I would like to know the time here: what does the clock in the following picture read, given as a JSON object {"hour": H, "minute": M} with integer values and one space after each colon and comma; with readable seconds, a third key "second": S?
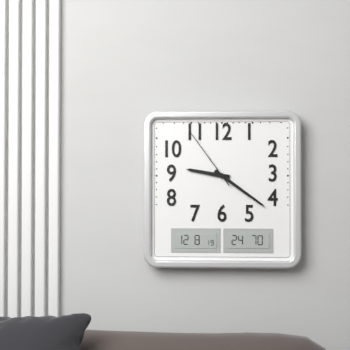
{"hour": 9, "minute": 21, "second": 54}
